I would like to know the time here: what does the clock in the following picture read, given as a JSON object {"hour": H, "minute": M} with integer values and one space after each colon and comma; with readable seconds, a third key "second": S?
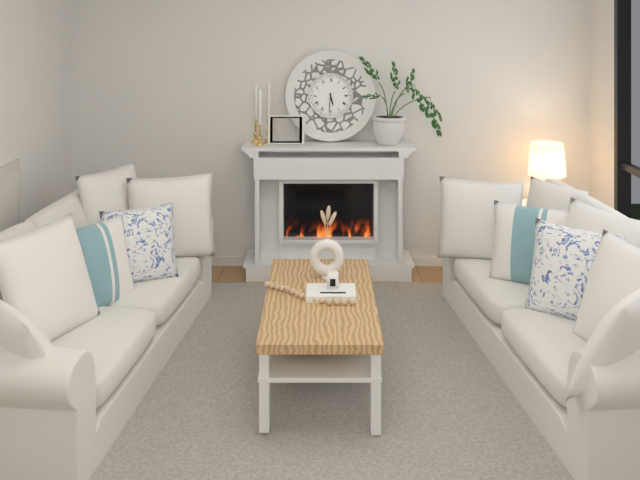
{"hour": 5, "minute": 31}
